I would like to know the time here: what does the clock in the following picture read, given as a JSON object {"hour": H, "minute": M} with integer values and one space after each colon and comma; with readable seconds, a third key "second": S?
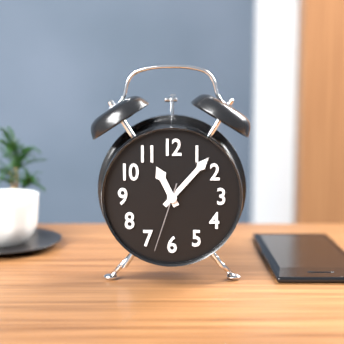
{"hour": 11, "minute": 7, "second": 33}
